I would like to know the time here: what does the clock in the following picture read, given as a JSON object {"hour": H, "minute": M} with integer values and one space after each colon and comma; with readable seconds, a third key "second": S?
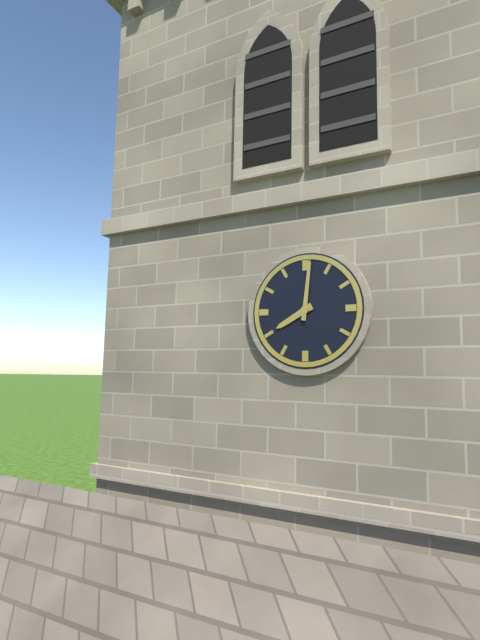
{"hour": 8, "minute": 1}
